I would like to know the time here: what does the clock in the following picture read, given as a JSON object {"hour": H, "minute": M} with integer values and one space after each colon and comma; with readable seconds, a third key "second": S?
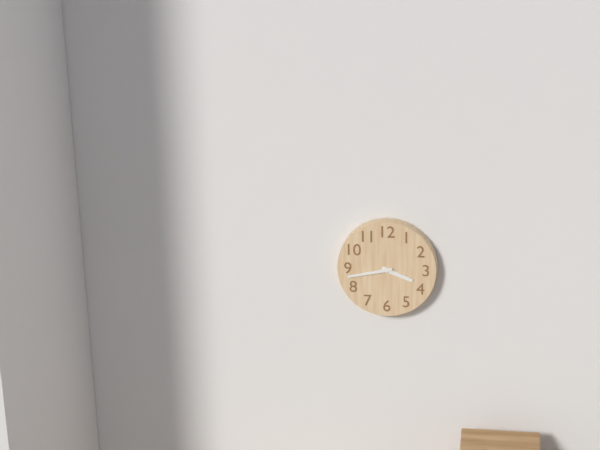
{"hour": 3, "minute": 43}
